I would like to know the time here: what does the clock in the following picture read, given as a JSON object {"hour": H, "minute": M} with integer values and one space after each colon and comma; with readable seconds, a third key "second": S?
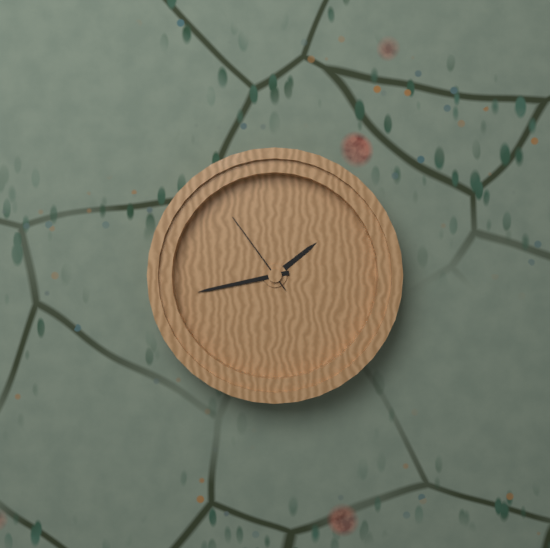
{"hour": 1, "minute": 43, "second": 54}
